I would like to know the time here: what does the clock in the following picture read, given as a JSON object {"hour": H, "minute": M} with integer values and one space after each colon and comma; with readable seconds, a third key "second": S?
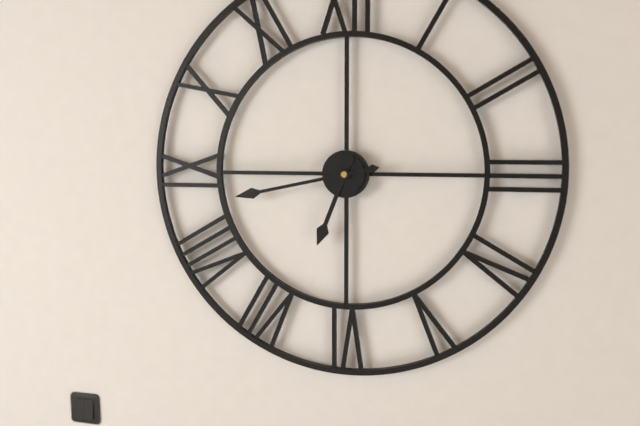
{"hour": 6, "minute": 43}
